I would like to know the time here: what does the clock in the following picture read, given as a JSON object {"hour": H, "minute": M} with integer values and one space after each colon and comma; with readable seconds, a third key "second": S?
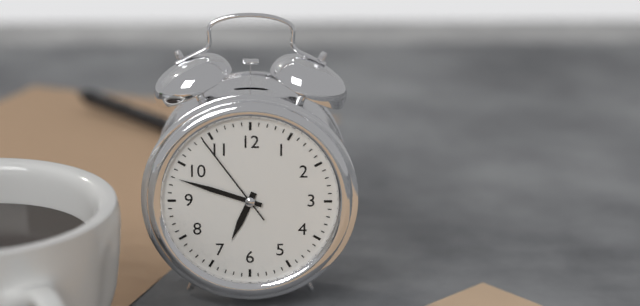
{"hour": 6, "minute": 48, "second": 54}
